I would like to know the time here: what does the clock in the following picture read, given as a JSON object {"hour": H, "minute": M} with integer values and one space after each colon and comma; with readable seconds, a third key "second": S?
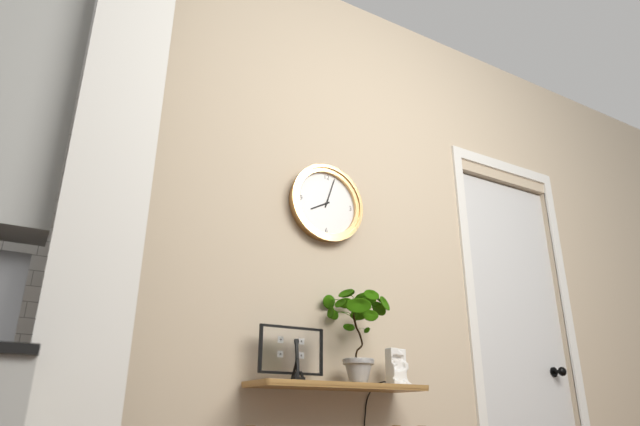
{"hour": 8, "minute": 3}
